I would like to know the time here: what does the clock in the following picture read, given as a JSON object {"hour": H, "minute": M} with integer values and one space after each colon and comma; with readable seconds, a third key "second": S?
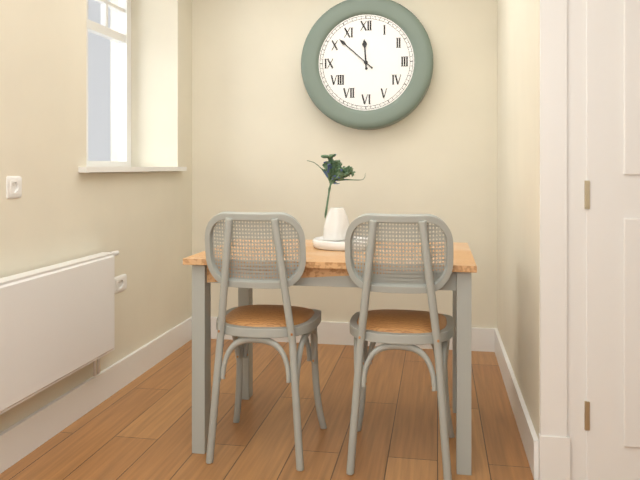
{"hour": 11, "minute": 52}
